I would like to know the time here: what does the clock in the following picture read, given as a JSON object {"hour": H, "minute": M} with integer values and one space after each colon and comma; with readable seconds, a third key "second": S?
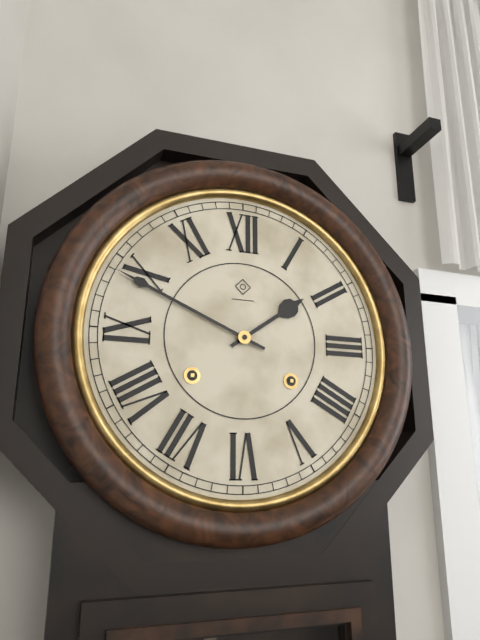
{"hour": 1, "minute": 49}
